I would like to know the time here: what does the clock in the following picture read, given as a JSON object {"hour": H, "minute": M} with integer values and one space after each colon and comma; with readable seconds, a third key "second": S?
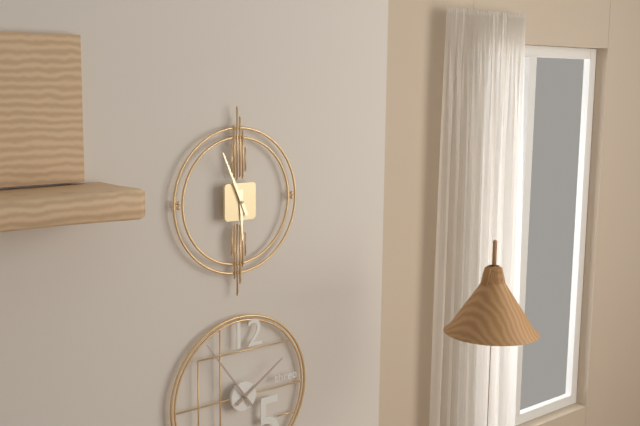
{"hour": 5, "minute": 56}
